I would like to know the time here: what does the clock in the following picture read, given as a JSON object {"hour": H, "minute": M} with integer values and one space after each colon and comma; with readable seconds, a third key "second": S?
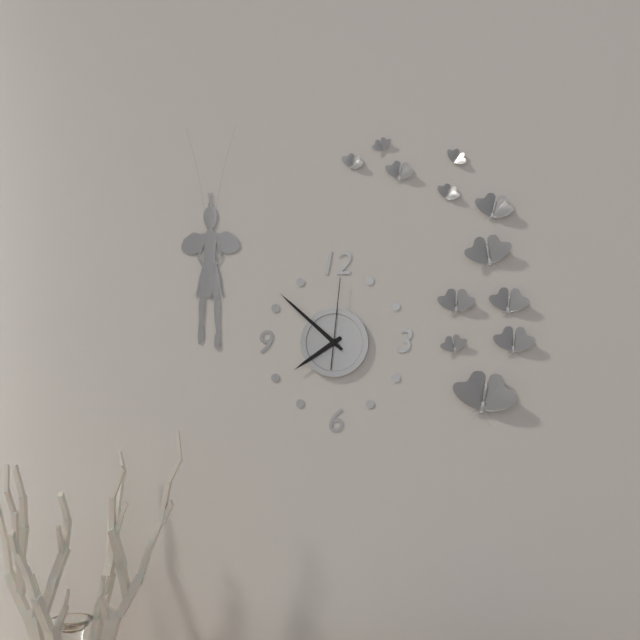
{"hour": 7, "minute": 52, "second": 1}
